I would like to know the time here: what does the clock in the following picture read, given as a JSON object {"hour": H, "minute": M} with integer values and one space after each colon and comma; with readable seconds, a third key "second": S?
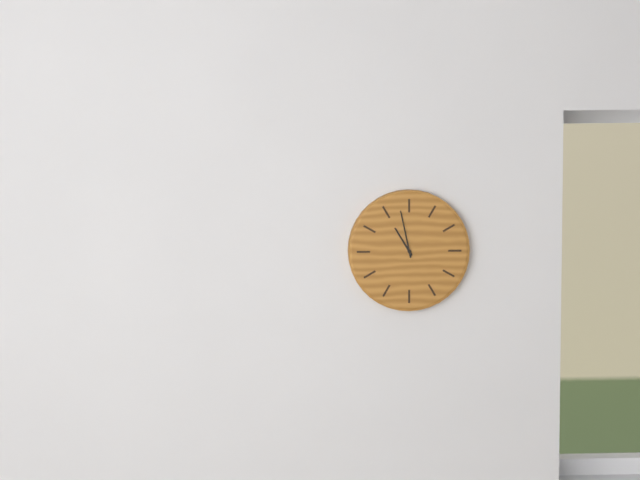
{"hour": 10, "minute": 58}
